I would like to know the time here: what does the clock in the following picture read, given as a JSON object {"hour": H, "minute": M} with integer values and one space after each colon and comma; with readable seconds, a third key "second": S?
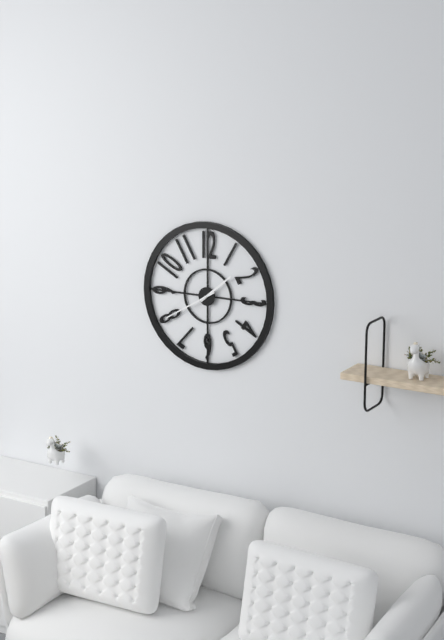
{"hour": 1, "minute": 40}
